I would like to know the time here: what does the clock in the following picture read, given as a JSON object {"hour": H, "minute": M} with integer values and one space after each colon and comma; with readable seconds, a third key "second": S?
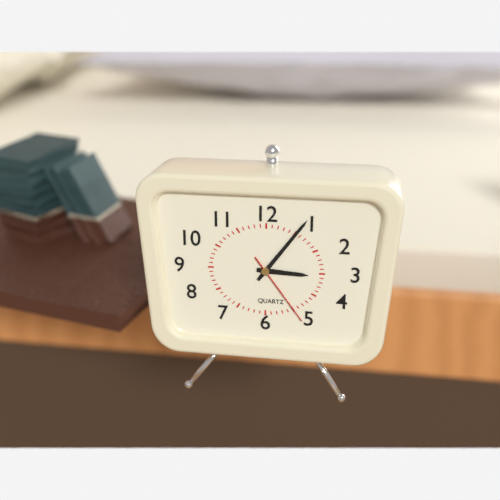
{"hour": 3, "minute": 6, "second": 24}
